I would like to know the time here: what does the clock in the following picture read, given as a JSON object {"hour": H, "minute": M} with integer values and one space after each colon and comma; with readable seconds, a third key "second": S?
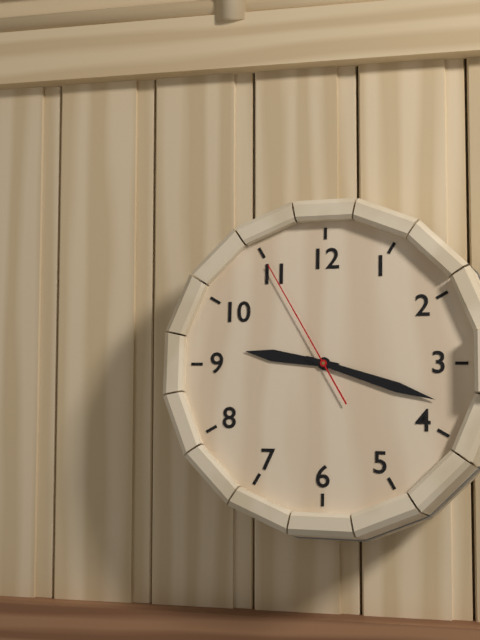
{"hour": 9, "minute": 18, "second": 55}
